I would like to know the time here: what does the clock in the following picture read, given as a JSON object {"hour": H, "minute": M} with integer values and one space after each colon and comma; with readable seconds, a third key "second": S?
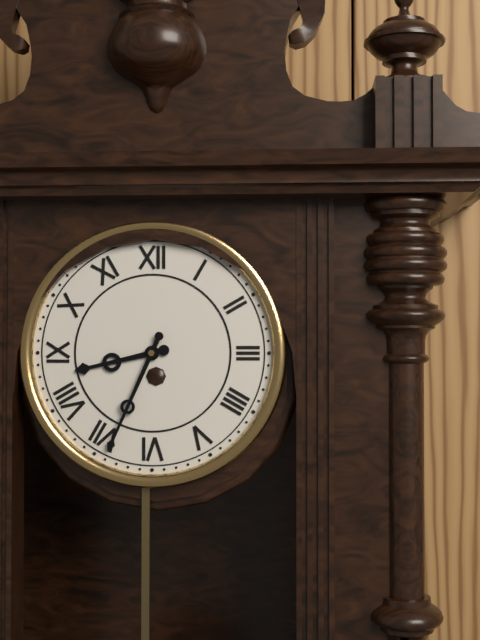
{"hour": 8, "minute": 34}
